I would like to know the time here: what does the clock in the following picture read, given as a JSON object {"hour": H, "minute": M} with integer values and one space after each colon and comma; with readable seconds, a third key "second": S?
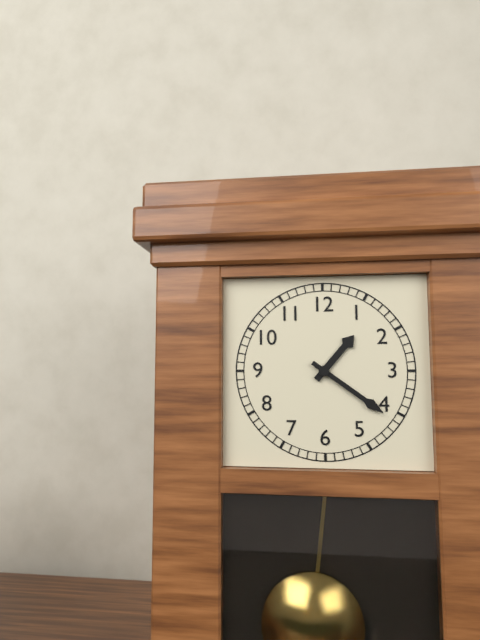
{"hour": 1, "minute": 21}
